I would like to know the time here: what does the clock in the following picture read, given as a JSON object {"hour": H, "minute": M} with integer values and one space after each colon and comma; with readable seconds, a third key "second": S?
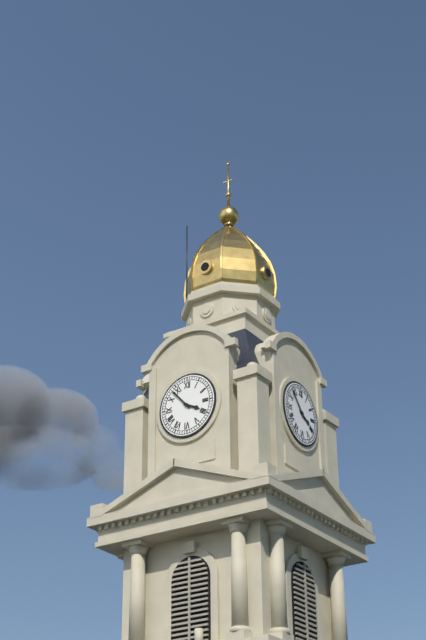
{"hour": 3, "minute": 53}
